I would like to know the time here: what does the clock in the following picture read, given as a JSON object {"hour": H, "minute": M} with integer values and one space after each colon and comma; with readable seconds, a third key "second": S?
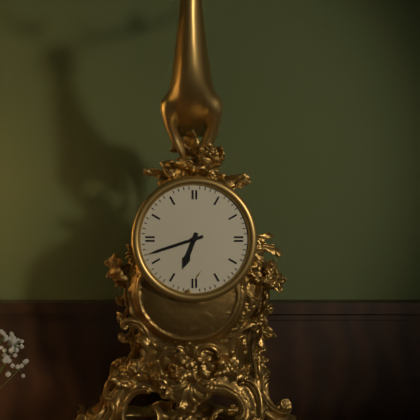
{"hour": 6, "minute": 42}
